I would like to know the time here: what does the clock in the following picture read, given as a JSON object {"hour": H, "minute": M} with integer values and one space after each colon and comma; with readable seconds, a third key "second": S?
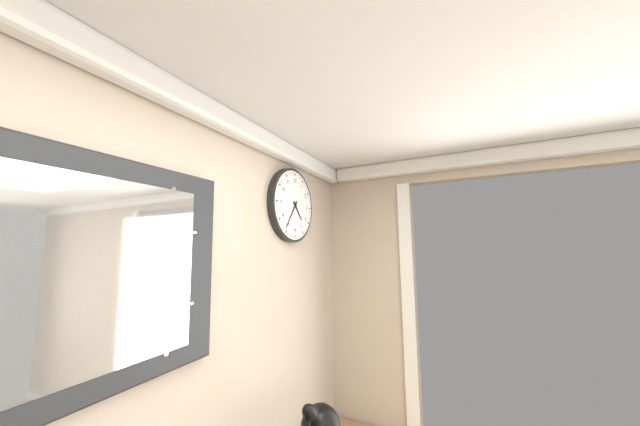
{"hour": 4, "minute": 36}
